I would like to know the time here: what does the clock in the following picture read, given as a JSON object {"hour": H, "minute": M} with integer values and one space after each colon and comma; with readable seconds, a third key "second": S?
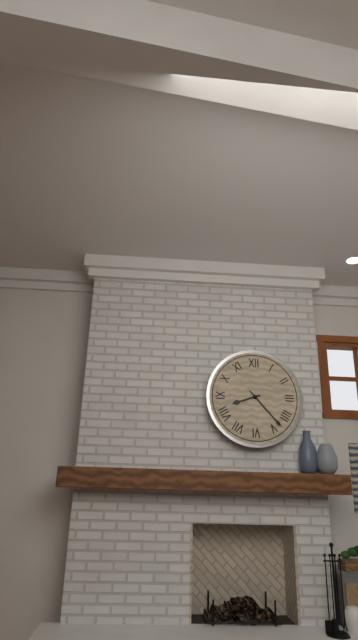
{"hour": 8, "minute": 23}
